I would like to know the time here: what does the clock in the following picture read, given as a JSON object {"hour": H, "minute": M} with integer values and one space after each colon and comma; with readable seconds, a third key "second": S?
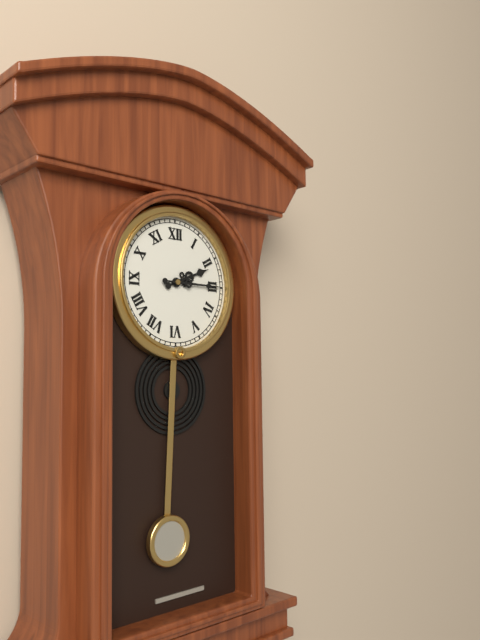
{"hour": 2, "minute": 15}
